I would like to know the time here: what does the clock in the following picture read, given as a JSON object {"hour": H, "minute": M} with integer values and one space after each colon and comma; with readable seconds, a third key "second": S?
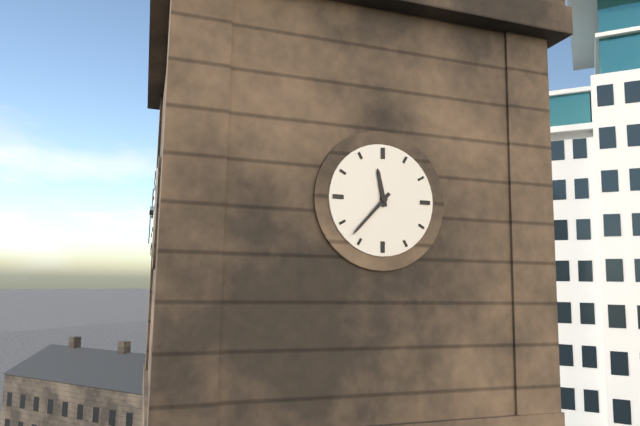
{"hour": 11, "minute": 37}
